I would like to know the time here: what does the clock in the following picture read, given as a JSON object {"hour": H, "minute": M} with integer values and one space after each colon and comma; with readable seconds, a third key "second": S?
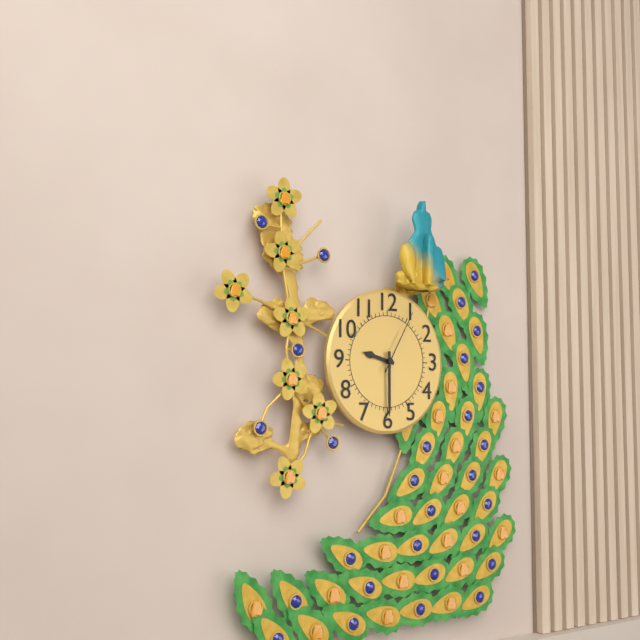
{"hour": 9, "minute": 30, "second": 5}
